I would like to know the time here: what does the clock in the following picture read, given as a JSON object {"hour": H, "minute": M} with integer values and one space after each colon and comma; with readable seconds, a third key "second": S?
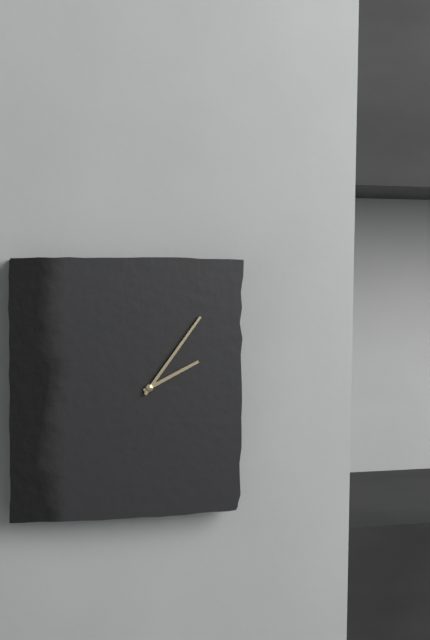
{"hour": 2, "minute": 6}
